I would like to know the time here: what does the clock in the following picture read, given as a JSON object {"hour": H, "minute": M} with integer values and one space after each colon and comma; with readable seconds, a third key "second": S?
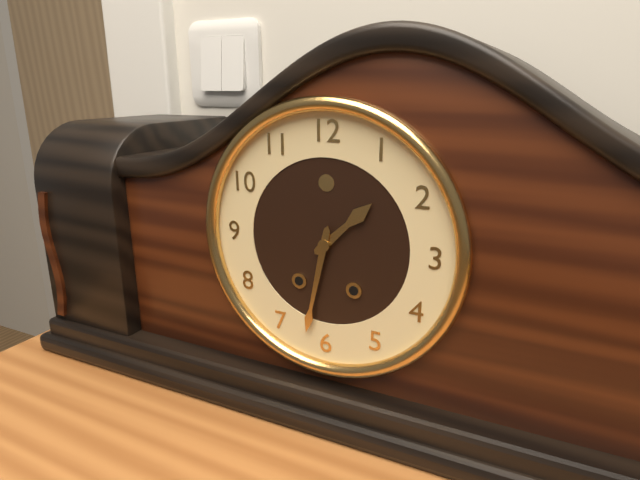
{"hour": 1, "minute": 32}
